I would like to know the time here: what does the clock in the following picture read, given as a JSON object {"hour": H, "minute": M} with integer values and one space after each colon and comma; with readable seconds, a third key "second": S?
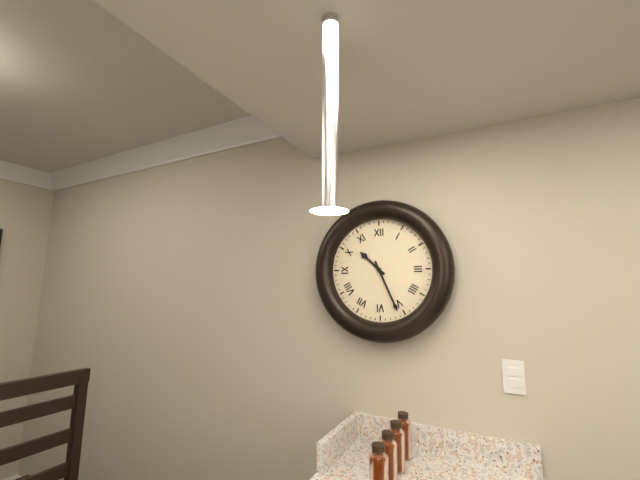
{"hour": 10, "minute": 26}
